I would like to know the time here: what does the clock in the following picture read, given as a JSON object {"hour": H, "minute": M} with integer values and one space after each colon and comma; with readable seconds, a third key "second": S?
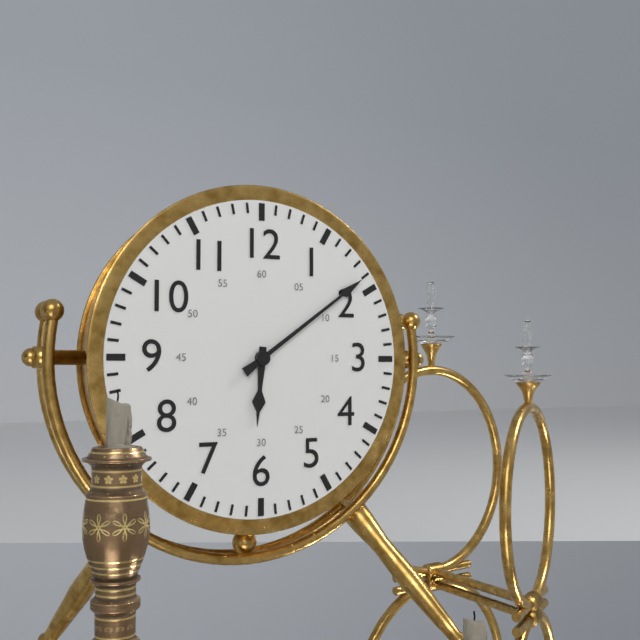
{"hour": 6, "minute": 9}
